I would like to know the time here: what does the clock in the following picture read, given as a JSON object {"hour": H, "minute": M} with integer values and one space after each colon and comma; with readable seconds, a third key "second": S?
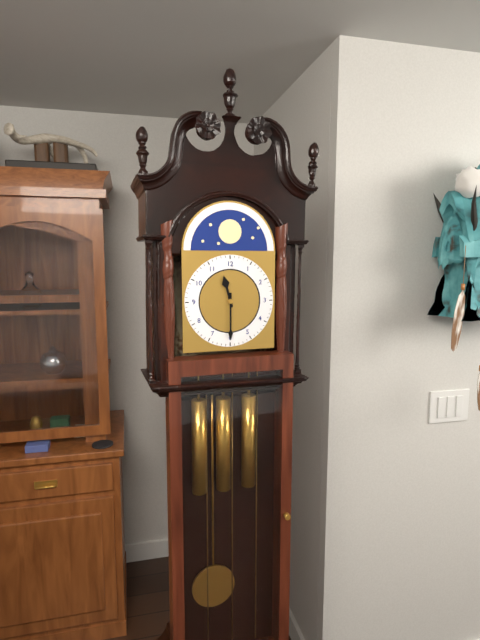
{"hour": 11, "minute": 30}
